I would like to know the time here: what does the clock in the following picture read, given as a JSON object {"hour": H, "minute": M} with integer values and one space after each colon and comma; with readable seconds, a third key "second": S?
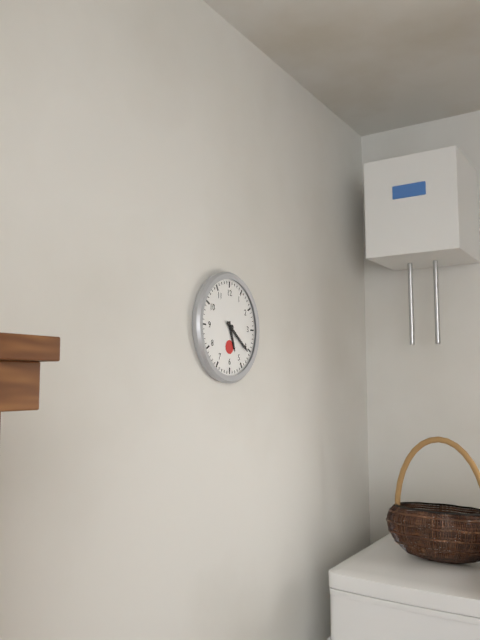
{"hour": 5, "minute": 21}
